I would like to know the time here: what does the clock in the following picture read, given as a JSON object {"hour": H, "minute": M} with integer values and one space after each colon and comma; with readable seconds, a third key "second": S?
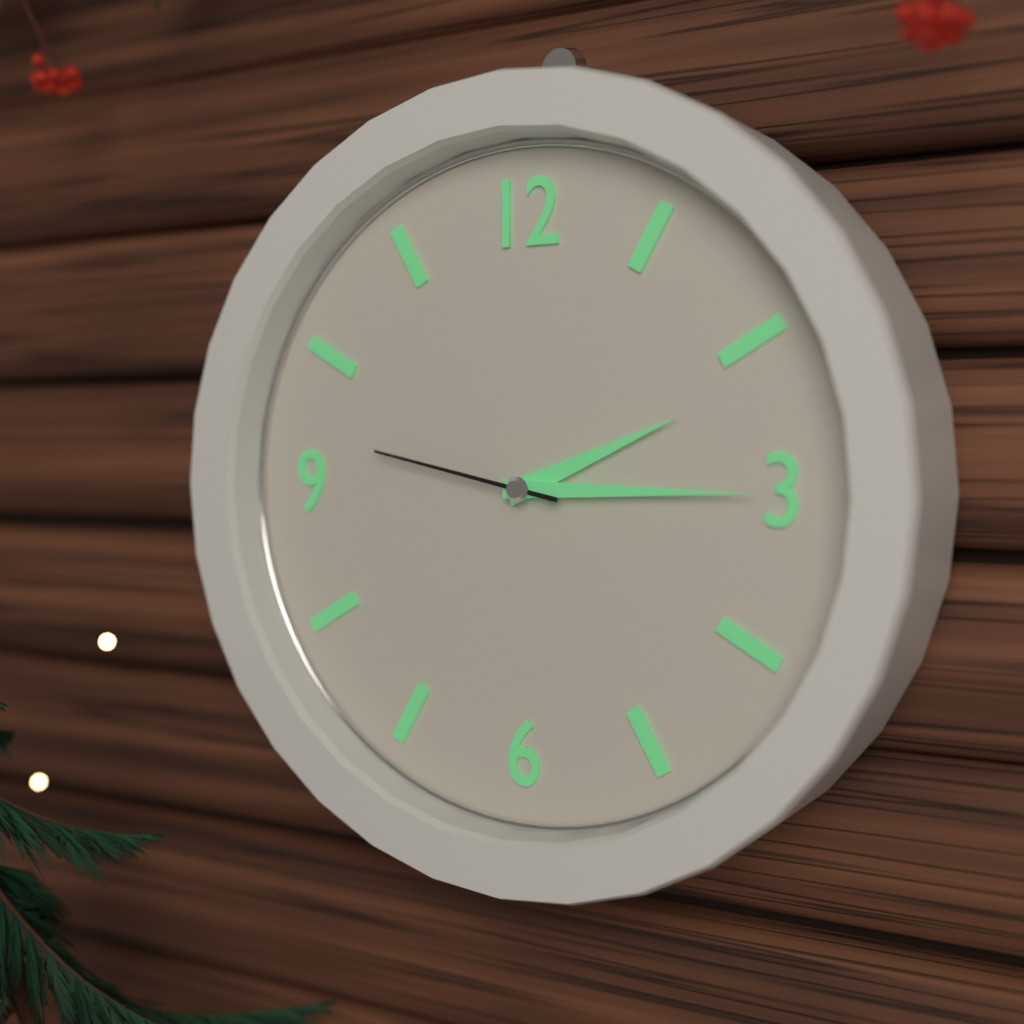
{"hour": 2, "minute": 15, "second": 47}
